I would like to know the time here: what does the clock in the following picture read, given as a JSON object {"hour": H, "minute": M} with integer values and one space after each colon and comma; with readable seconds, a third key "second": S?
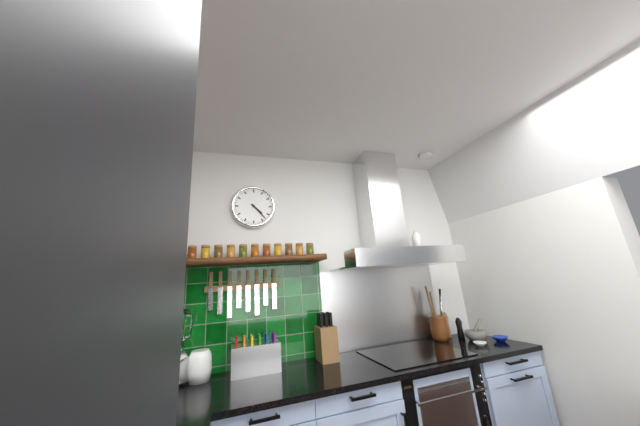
{"hour": 4, "minute": 23}
